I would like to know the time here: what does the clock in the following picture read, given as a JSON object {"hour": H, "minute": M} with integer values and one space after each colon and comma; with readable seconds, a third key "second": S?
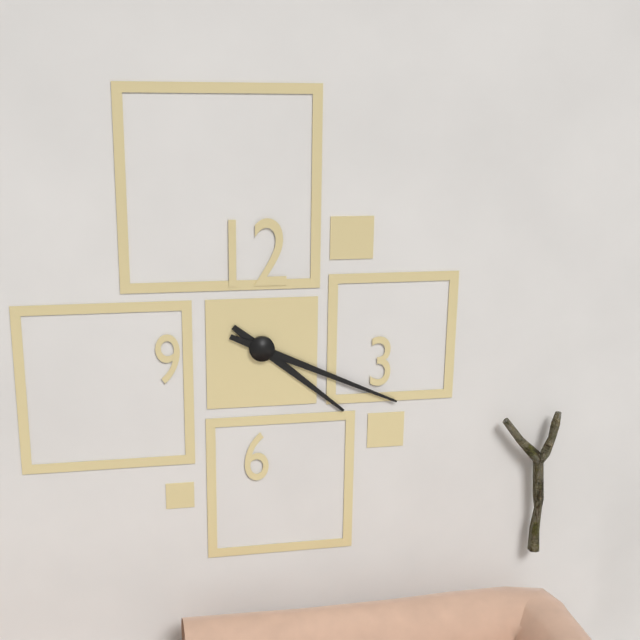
{"hour": 4, "minute": 19}
